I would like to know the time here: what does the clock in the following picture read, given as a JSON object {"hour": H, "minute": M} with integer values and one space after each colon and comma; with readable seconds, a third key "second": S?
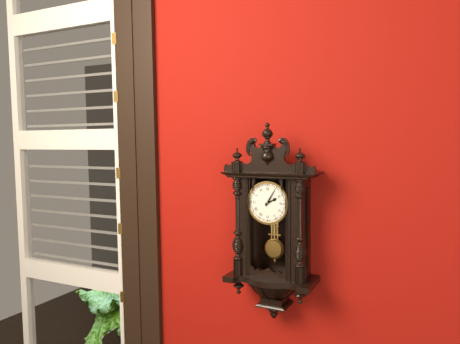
{"hour": 2, "minute": 5}
